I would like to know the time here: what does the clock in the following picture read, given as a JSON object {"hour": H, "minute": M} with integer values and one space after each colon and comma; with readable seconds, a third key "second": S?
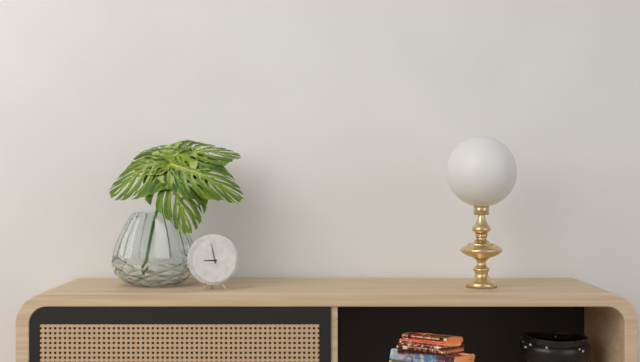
{"hour": 8, "minute": 58}
